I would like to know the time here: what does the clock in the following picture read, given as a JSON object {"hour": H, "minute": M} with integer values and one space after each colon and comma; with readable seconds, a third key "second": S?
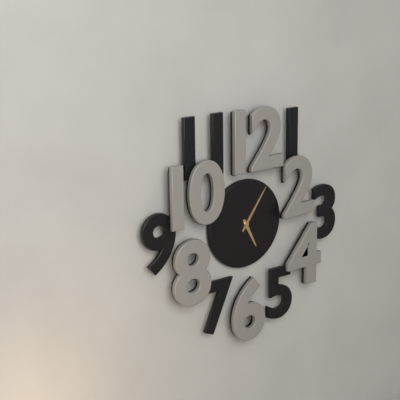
{"hour": 5, "minute": 6}
